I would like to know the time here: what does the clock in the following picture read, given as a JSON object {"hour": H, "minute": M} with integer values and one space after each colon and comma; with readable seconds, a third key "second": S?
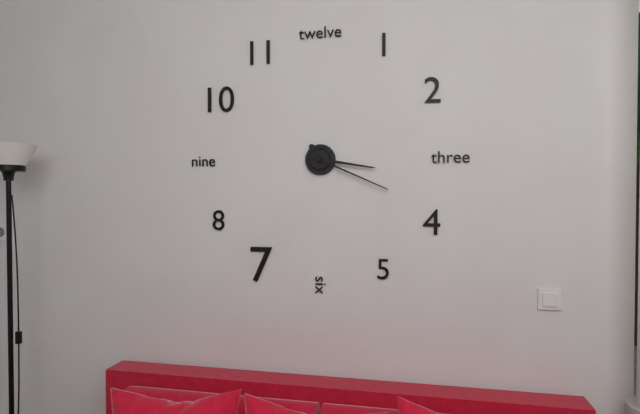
{"hour": 3, "minute": 19}
